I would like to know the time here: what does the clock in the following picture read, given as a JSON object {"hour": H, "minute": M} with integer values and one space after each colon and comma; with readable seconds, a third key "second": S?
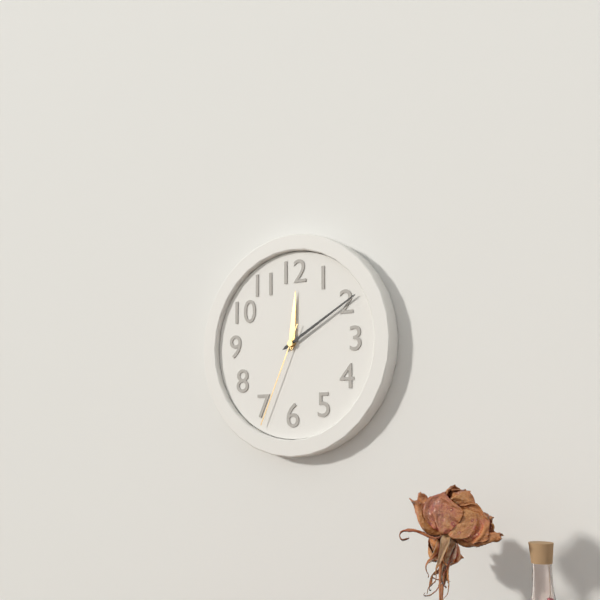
{"hour": 12, "minute": 10, "second": 34}
